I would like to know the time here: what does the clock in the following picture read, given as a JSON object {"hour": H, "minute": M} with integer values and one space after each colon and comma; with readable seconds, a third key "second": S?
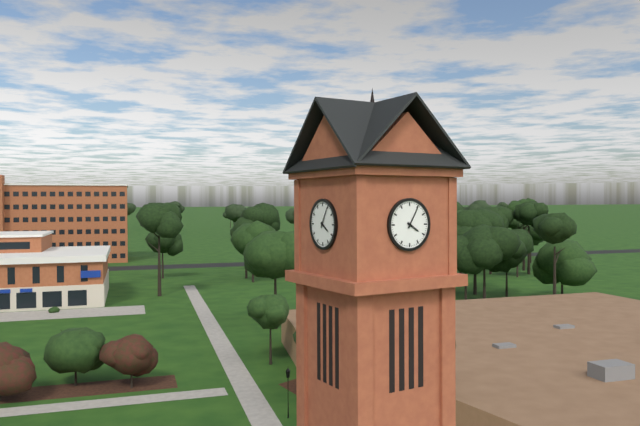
{"hour": 4, "minute": 5}
